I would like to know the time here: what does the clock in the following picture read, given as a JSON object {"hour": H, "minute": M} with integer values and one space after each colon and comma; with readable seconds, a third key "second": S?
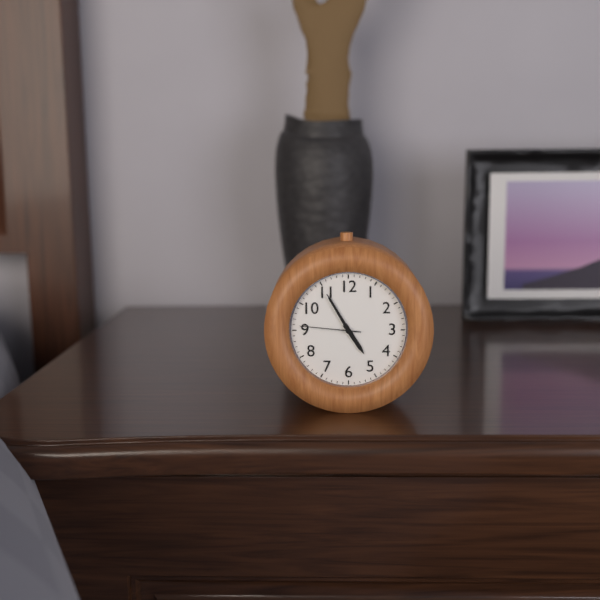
{"hour": 4, "minute": 55, "second": 46}
